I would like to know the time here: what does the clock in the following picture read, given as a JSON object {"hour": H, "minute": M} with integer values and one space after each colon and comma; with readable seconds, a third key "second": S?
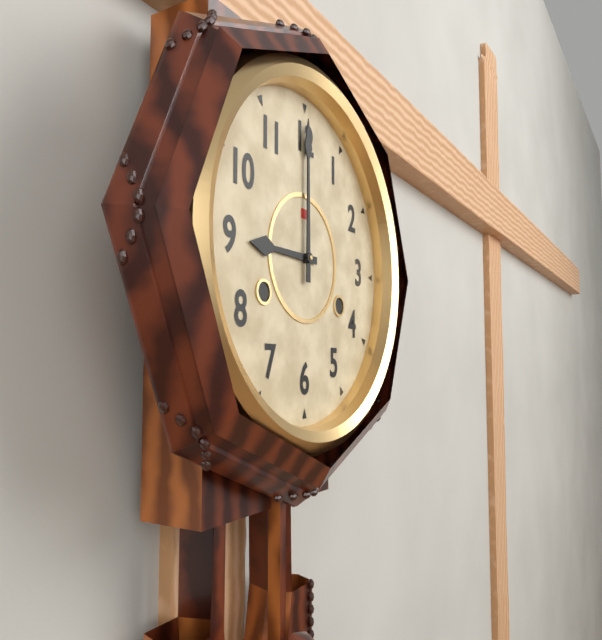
{"hour": 9, "minute": 0}
